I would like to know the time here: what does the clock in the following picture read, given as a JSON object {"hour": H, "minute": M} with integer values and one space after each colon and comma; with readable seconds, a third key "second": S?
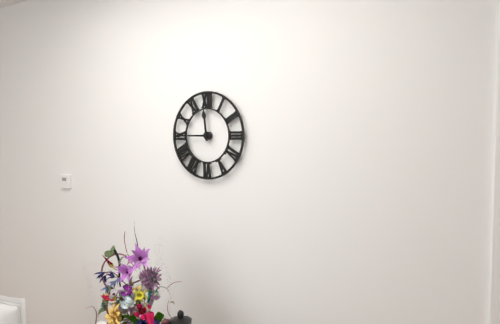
{"hour": 11, "minute": 45}
